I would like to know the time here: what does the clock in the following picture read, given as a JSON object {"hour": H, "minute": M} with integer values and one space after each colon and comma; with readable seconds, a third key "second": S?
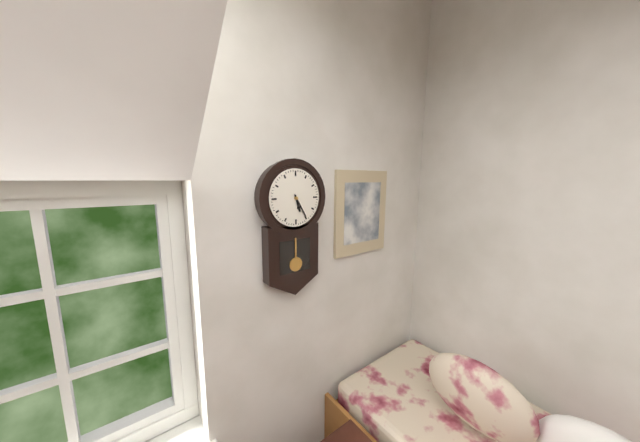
{"hour": 5, "minute": 25}
